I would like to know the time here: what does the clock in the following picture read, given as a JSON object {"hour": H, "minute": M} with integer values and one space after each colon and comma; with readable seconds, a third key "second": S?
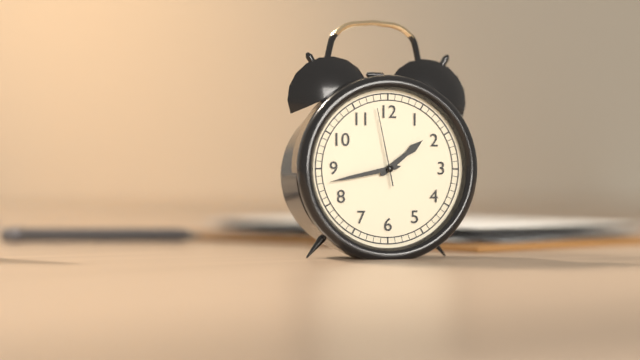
{"hour": 1, "minute": 43, "second": 58}
